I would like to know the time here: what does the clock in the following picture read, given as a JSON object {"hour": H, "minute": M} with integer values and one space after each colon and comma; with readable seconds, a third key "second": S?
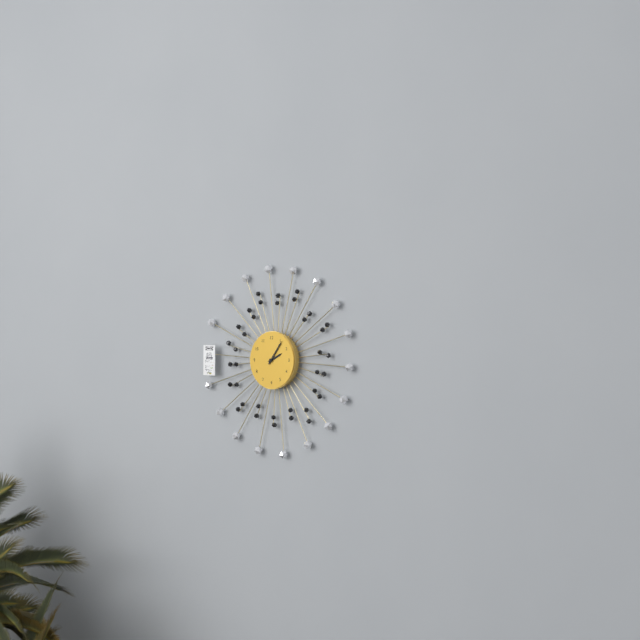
{"hour": 2, "minute": 6}
